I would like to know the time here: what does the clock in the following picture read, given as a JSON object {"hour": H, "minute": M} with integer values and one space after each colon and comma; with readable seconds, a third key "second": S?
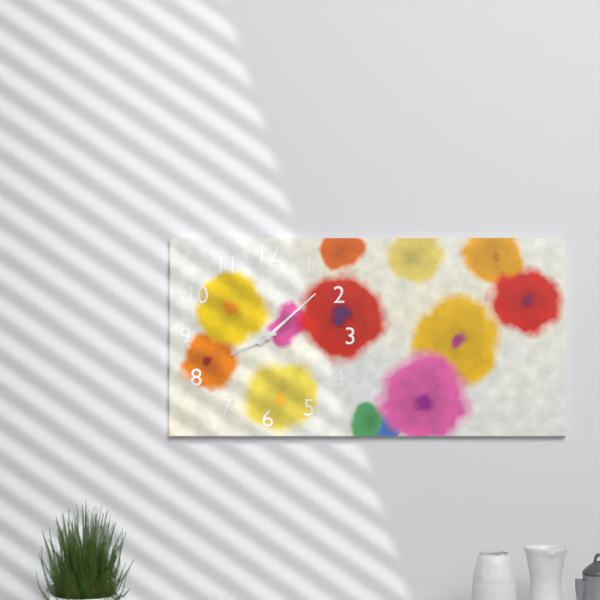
{"hour": 8, "minute": 8}
